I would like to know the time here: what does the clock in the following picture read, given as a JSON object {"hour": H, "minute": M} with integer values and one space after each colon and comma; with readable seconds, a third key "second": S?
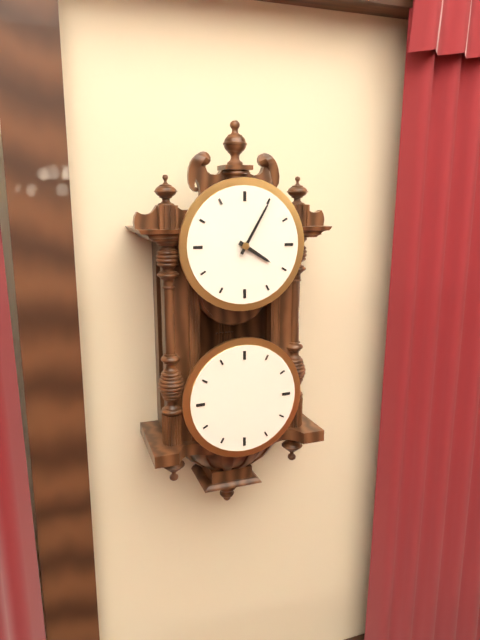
{"hour": 4, "minute": 5}
